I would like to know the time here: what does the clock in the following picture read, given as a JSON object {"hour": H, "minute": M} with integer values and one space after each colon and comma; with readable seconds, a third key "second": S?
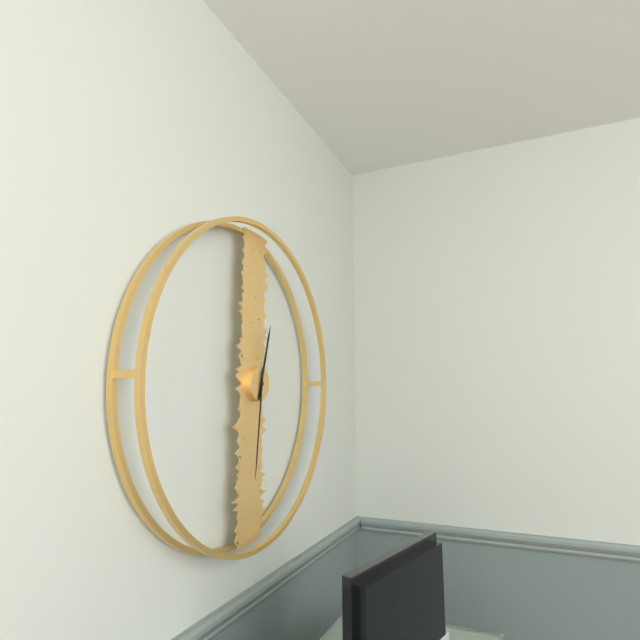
{"hour": 12, "minute": 31}
